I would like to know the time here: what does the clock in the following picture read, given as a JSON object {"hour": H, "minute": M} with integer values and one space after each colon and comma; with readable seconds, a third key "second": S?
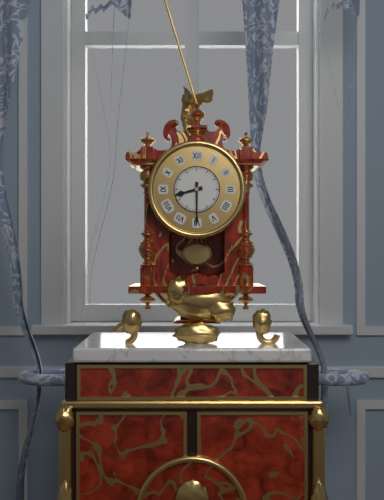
{"hour": 8, "minute": 30}
